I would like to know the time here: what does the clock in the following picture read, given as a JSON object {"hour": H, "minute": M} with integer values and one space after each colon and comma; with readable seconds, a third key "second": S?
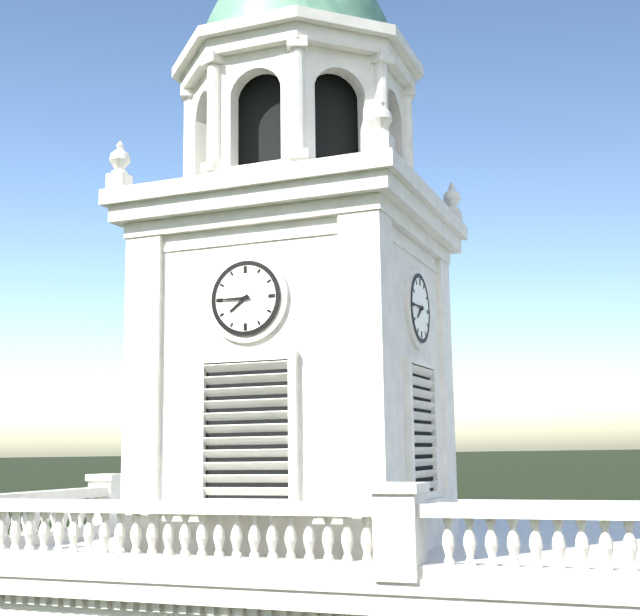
{"hour": 7, "minute": 45}
